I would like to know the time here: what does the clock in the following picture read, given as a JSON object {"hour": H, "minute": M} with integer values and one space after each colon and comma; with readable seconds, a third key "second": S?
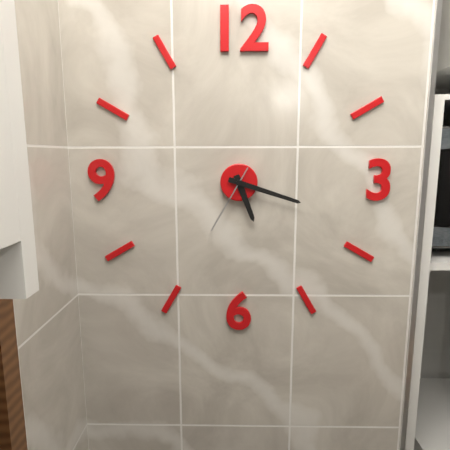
{"hour": 5, "minute": 18, "second": 35}
